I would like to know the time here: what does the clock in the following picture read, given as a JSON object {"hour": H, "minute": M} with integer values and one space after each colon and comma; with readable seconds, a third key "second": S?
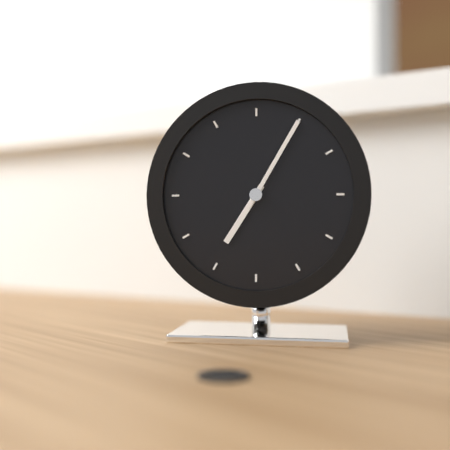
{"hour": 7, "minute": 5}
